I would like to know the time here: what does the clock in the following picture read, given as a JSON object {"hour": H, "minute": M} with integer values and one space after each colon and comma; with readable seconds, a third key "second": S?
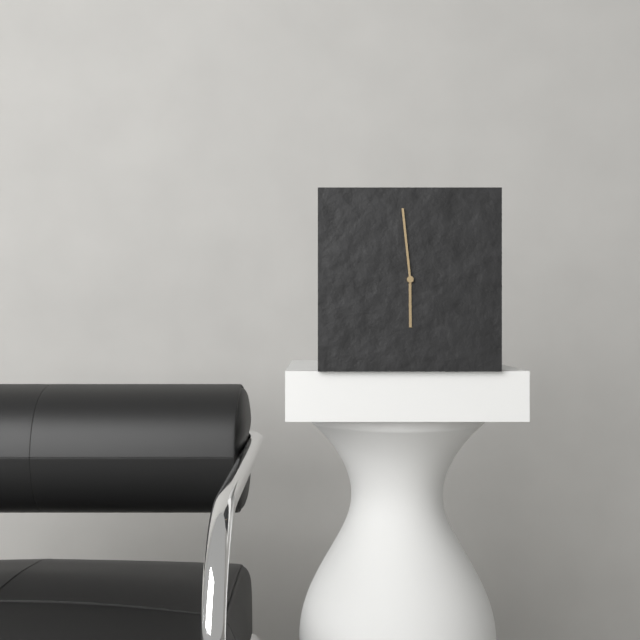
{"hour": 5, "minute": 59}
